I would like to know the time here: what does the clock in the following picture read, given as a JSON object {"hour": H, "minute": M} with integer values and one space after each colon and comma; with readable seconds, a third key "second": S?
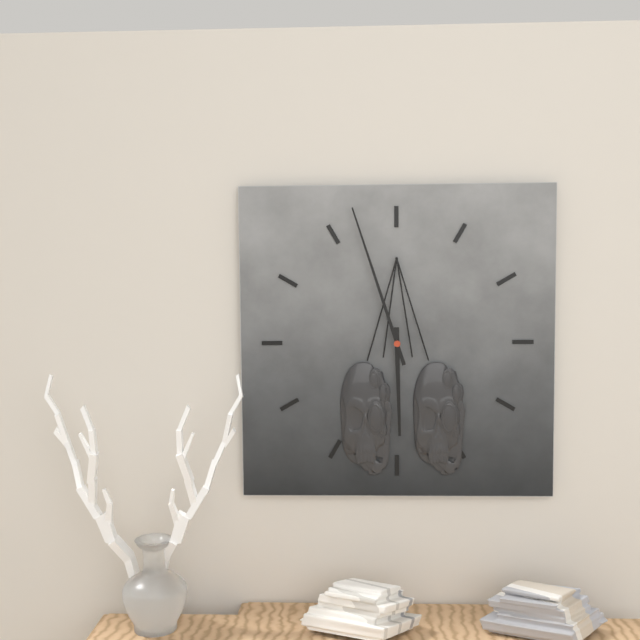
{"hour": 5, "minute": 57}
